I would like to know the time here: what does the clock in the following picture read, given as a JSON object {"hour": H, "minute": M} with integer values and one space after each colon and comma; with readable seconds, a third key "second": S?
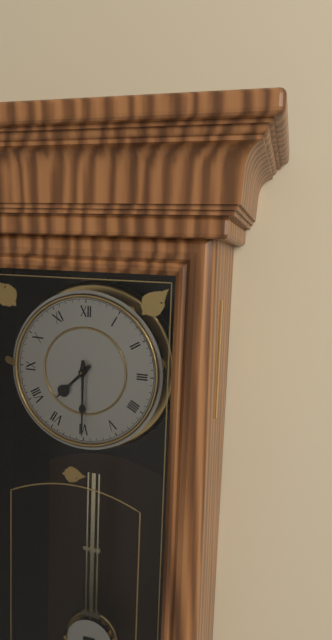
{"hour": 7, "minute": 30}
